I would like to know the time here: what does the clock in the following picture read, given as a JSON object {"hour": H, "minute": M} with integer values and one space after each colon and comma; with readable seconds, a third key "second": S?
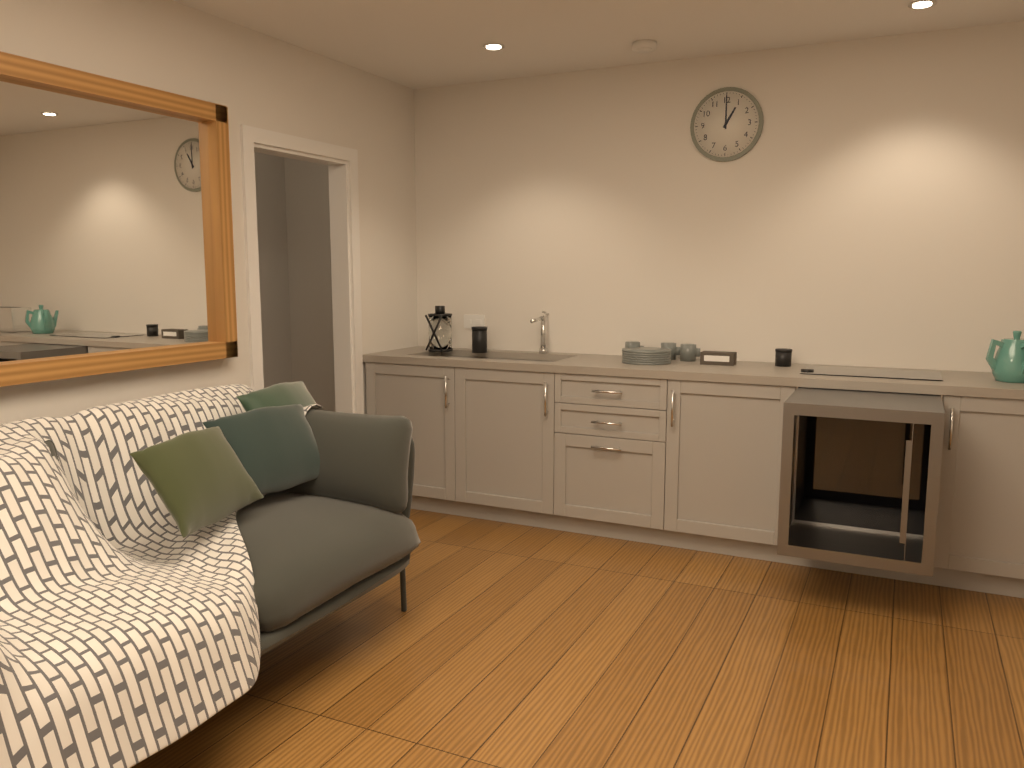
{"hour": 1, "minute": 0}
